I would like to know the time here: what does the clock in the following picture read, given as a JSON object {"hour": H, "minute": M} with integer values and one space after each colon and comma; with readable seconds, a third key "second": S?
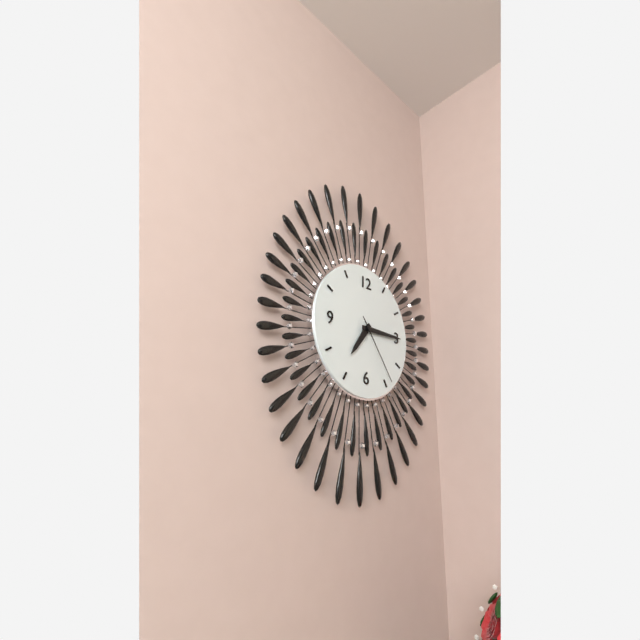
{"hour": 7, "minute": 15, "second": 24}
